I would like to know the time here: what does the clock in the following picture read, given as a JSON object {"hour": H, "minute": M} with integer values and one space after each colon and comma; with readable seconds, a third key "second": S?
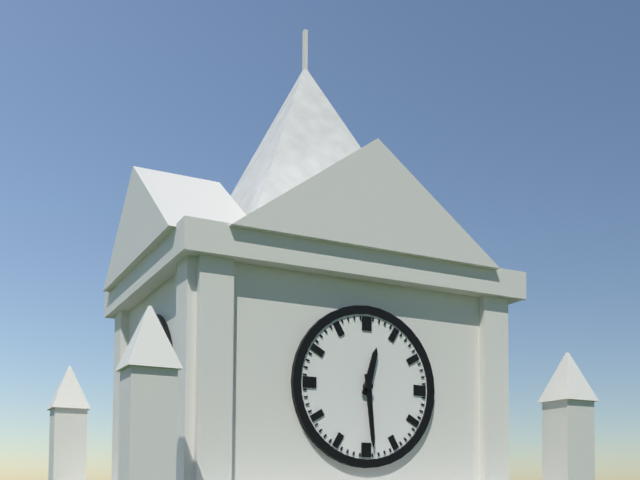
{"hour": 12, "minute": 29}
